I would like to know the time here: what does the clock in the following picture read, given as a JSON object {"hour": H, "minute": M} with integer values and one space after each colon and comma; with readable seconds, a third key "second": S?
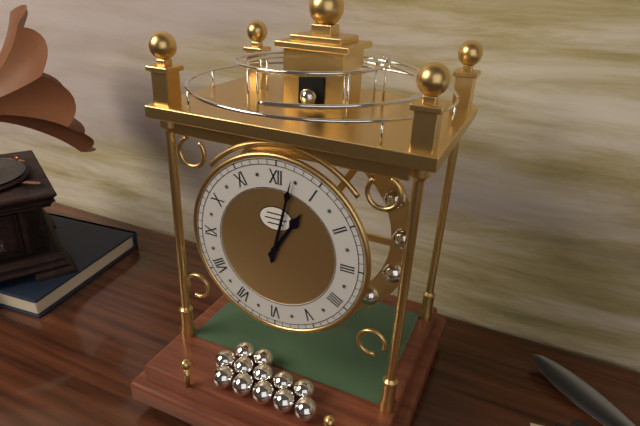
{"hour": 1, "minute": 2}
